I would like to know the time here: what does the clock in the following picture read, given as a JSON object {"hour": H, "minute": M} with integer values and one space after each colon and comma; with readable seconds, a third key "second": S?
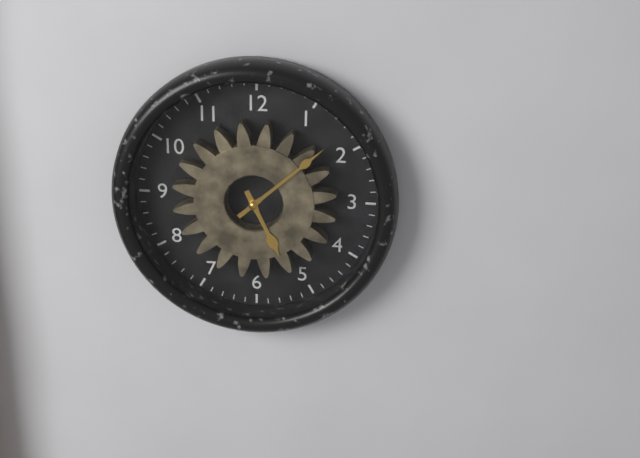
{"hour": 5, "minute": 8}
